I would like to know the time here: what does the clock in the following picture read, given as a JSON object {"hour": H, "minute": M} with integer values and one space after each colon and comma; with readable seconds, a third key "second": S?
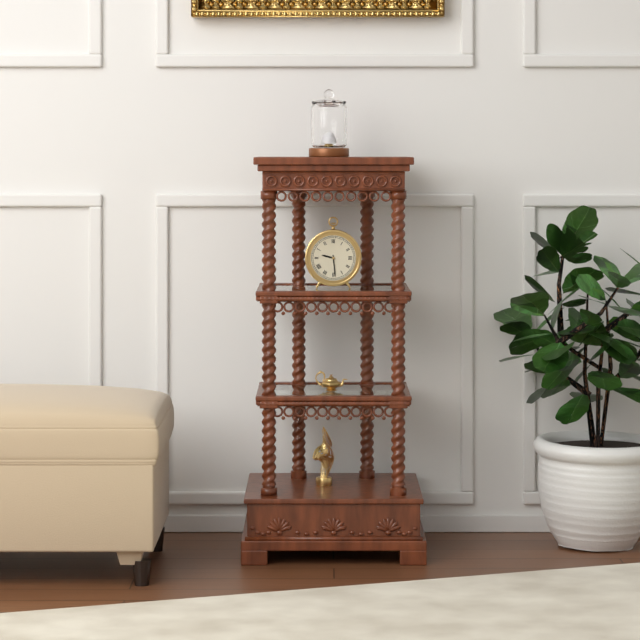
{"hour": 9, "minute": 29}
